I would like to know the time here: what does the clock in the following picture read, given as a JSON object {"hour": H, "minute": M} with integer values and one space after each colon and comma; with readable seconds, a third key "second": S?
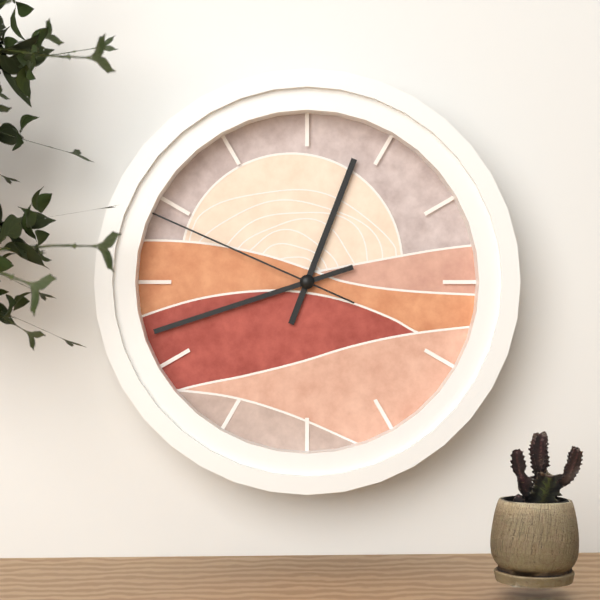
{"hour": 12, "minute": 42, "second": 49}
